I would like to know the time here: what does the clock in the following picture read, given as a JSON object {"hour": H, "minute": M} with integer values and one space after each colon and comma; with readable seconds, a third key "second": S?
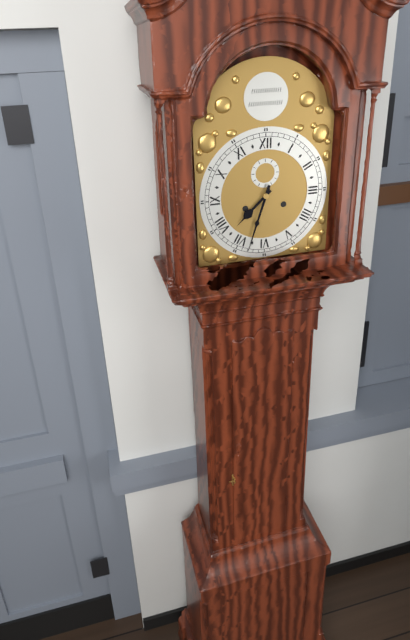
{"hour": 7, "minute": 33}
